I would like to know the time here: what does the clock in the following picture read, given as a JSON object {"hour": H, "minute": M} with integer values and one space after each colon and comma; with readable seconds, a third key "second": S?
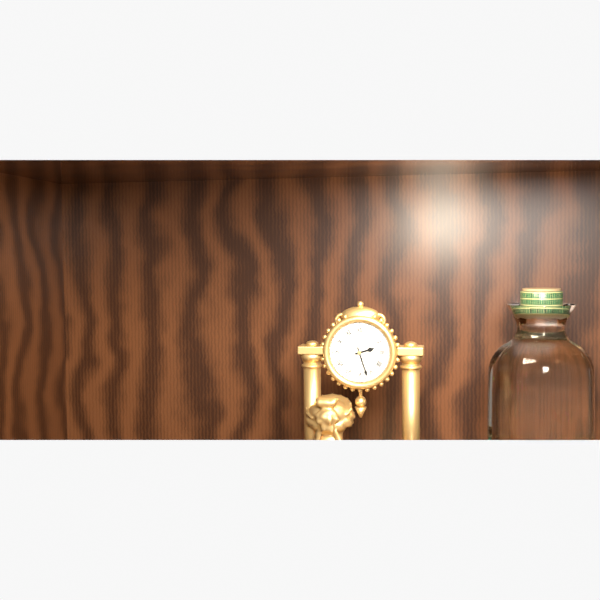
{"hour": 2, "minute": 27}
